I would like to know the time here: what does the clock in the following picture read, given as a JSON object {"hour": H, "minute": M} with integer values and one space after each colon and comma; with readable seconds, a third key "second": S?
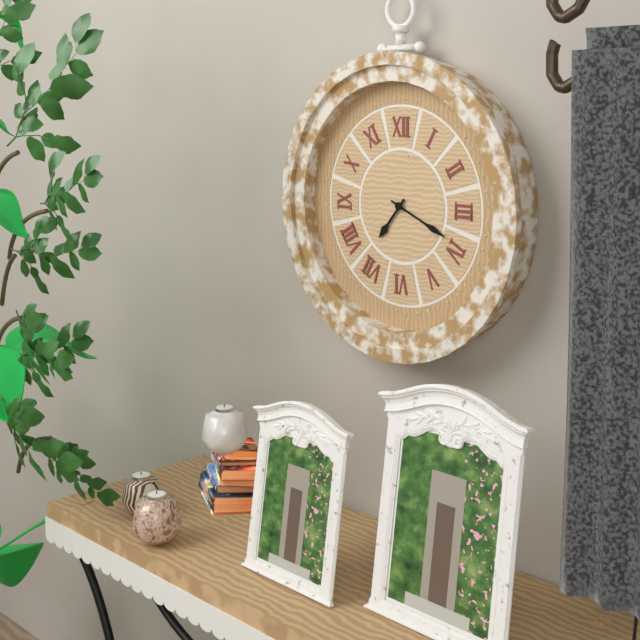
{"hour": 7, "minute": 19}
